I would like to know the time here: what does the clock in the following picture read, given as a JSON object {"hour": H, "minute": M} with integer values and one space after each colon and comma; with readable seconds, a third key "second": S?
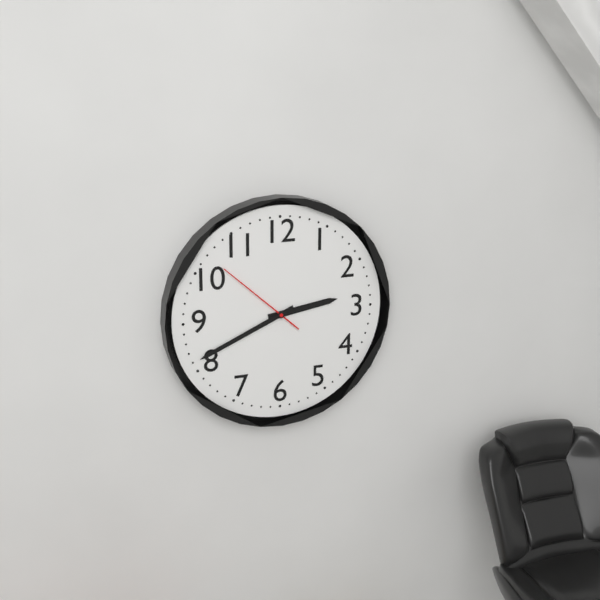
{"hour": 2, "minute": 41, "second": 52}
